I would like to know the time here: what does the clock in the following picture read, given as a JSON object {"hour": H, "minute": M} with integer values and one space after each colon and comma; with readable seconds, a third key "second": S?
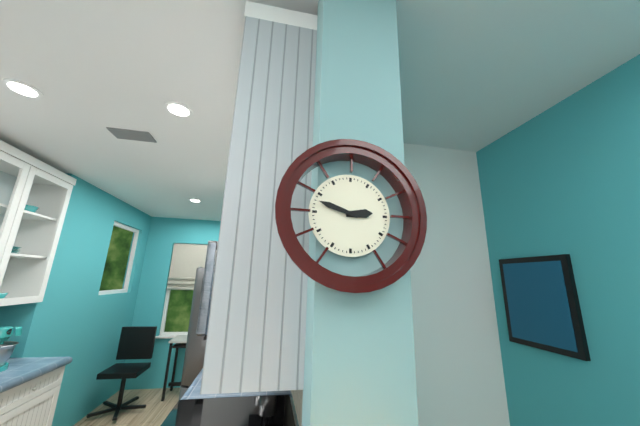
{"hour": 2, "minute": 48}
